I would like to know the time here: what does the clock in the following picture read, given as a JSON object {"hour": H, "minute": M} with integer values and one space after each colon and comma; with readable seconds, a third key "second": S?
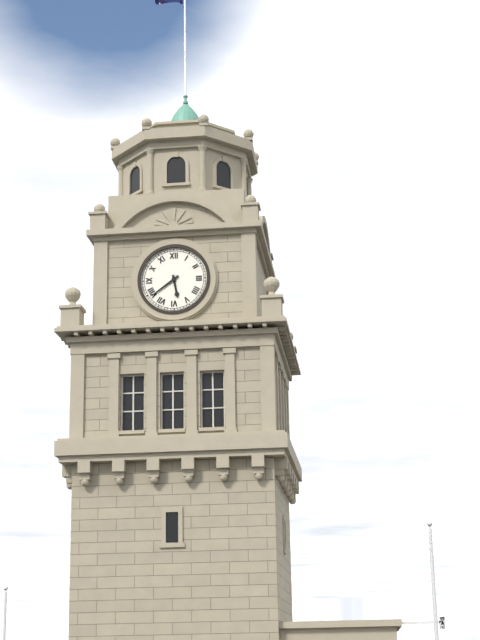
{"hour": 5, "minute": 39}
